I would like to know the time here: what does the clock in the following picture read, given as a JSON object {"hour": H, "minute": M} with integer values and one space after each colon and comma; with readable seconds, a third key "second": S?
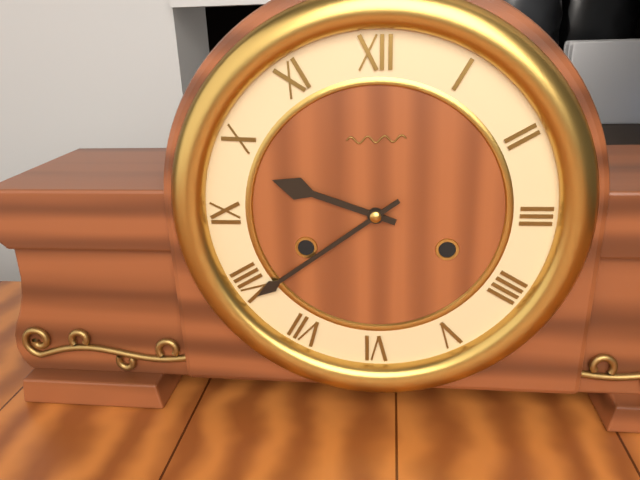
{"hour": 9, "minute": 39}
